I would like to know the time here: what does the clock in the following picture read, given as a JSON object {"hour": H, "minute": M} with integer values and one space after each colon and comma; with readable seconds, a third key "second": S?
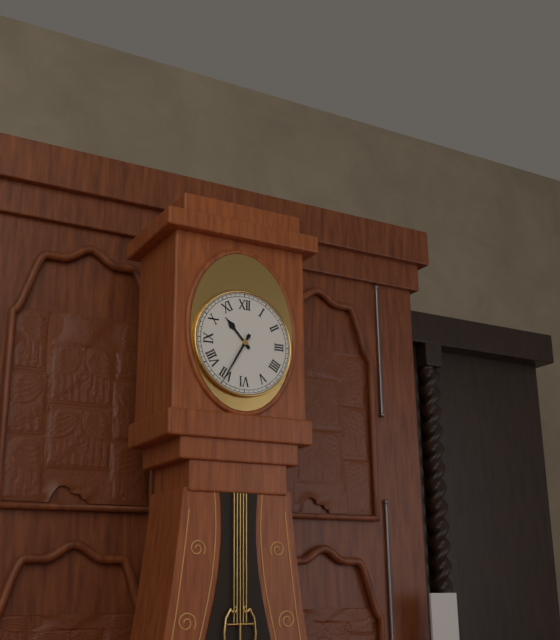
{"hour": 10, "minute": 35}
